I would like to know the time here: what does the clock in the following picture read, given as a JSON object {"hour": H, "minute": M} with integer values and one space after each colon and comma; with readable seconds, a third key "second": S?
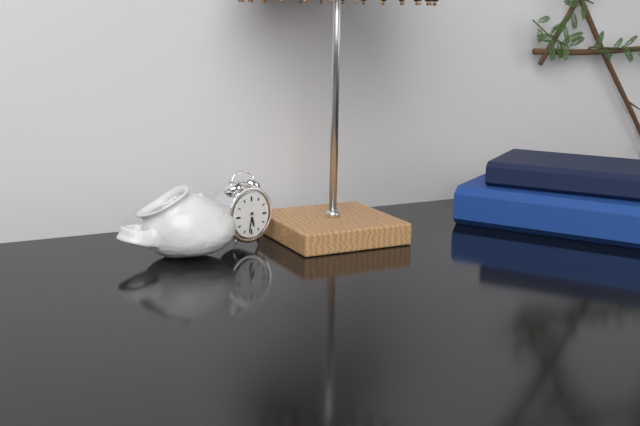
{"hour": 5, "minute": 32}
